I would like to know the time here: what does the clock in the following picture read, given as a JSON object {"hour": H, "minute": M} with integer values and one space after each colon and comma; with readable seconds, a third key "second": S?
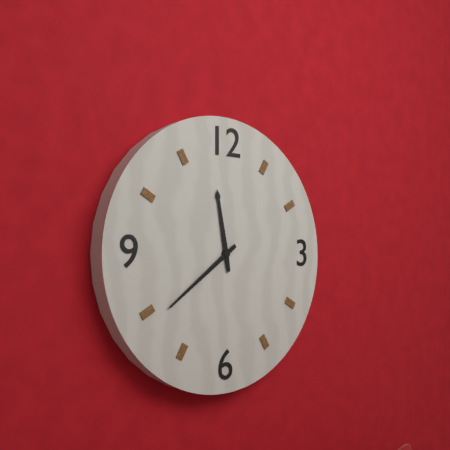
{"hour": 11, "minute": 39}
